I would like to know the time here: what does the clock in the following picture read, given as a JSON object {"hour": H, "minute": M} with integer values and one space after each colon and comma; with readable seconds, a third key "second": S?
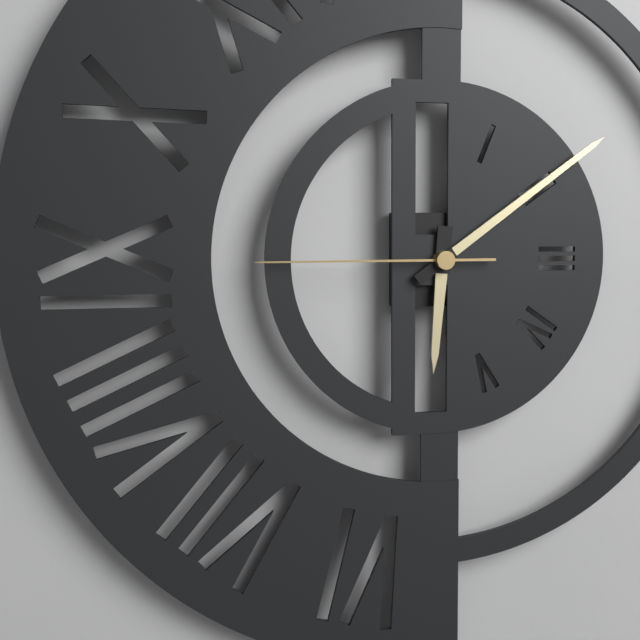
{"hour": 6, "minute": 9, "second": 45}
